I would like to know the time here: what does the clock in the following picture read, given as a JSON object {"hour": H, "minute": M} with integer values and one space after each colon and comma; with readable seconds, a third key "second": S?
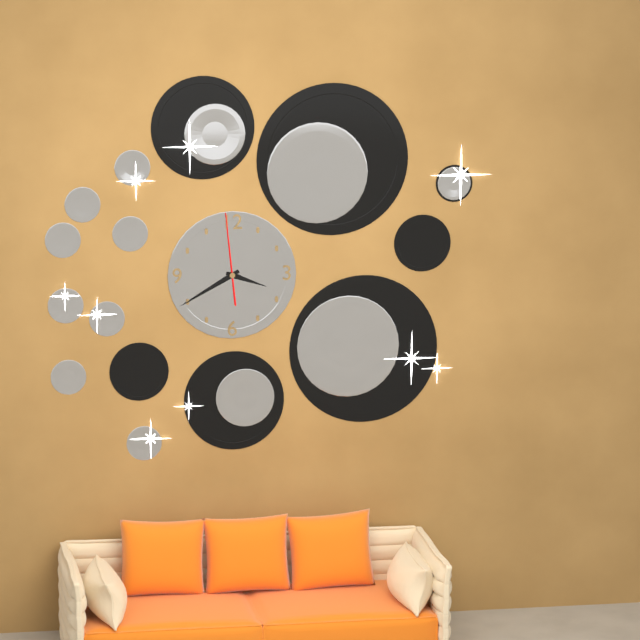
{"hour": 3, "minute": 40, "second": 59}
